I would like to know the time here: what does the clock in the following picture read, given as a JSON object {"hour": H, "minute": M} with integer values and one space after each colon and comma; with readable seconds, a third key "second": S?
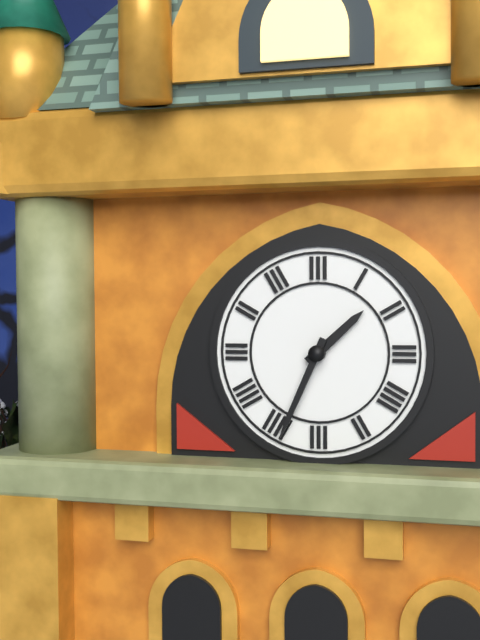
{"hour": 1, "minute": 34}
